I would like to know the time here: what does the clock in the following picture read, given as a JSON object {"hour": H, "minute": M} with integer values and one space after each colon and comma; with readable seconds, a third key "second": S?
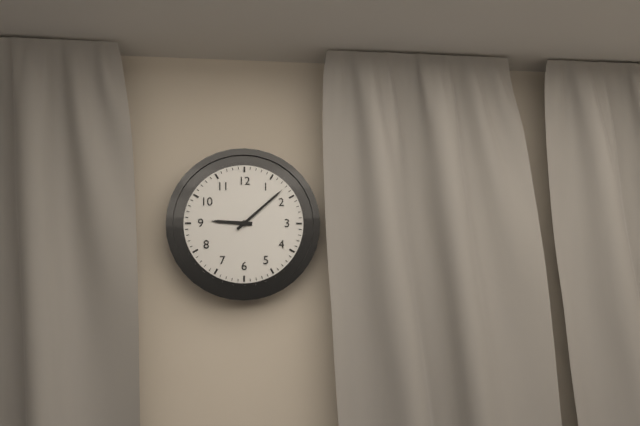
{"hour": 9, "minute": 8}
